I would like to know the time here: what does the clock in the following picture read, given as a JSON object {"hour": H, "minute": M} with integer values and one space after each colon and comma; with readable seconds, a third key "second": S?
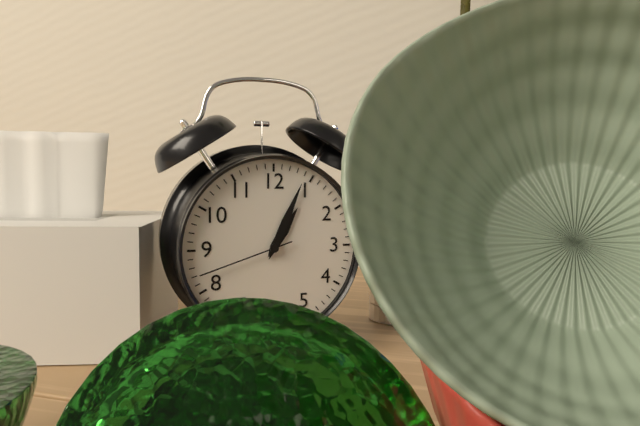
{"hour": 1, "minute": 4, "second": 42}
